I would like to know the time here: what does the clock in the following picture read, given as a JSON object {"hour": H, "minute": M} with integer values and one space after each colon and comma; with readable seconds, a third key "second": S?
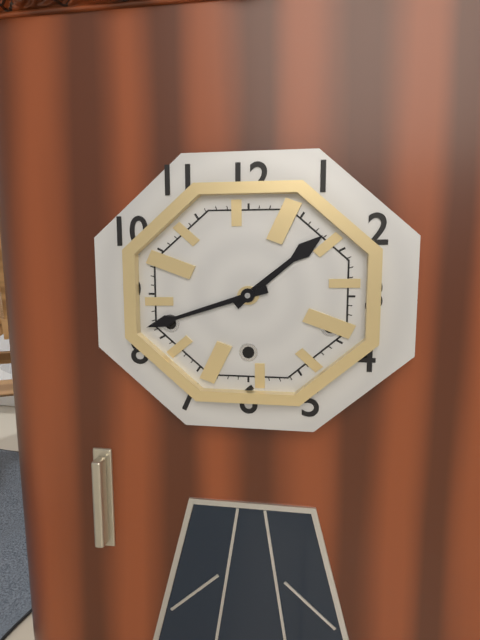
{"hour": 1, "minute": 42}
